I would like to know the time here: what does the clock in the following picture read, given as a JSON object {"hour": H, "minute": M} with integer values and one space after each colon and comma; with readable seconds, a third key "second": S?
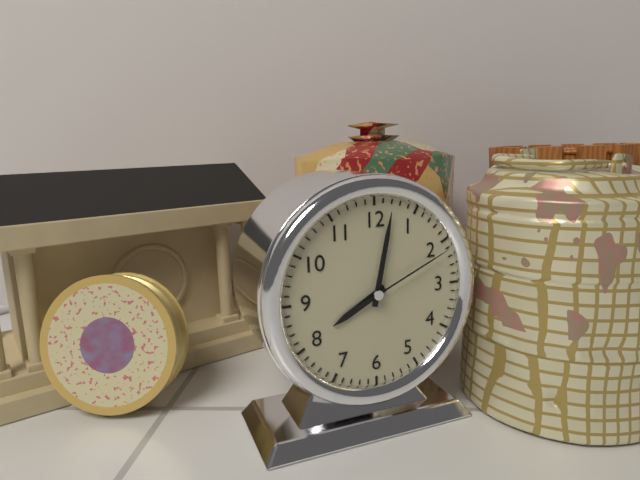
{"hour": 8, "minute": 2, "second": 11}
